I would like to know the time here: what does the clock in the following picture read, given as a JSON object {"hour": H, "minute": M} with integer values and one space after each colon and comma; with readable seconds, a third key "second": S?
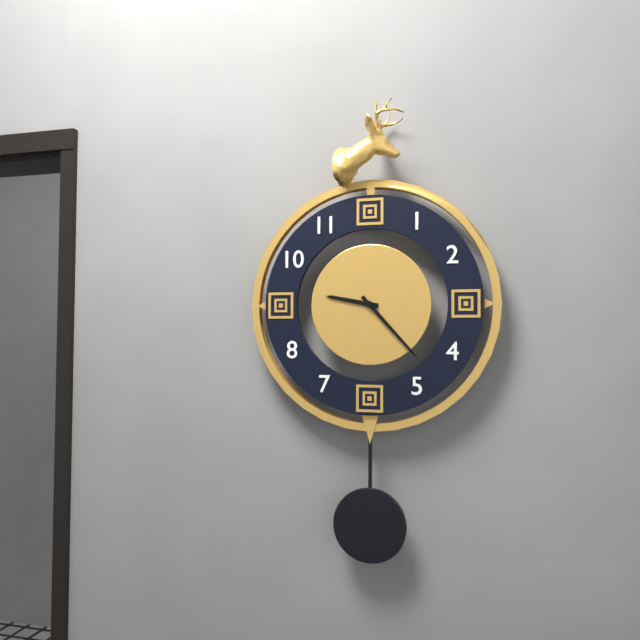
{"hour": 9, "minute": 23}
